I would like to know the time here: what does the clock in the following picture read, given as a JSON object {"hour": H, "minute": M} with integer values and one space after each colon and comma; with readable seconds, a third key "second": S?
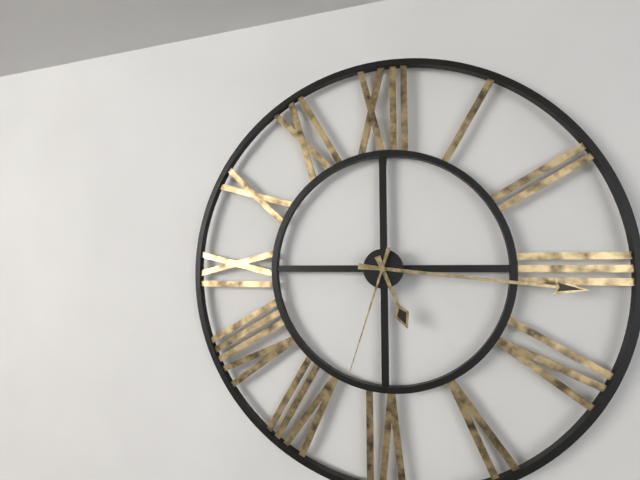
{"hour": 5, "minute": 16, "second": 33}
